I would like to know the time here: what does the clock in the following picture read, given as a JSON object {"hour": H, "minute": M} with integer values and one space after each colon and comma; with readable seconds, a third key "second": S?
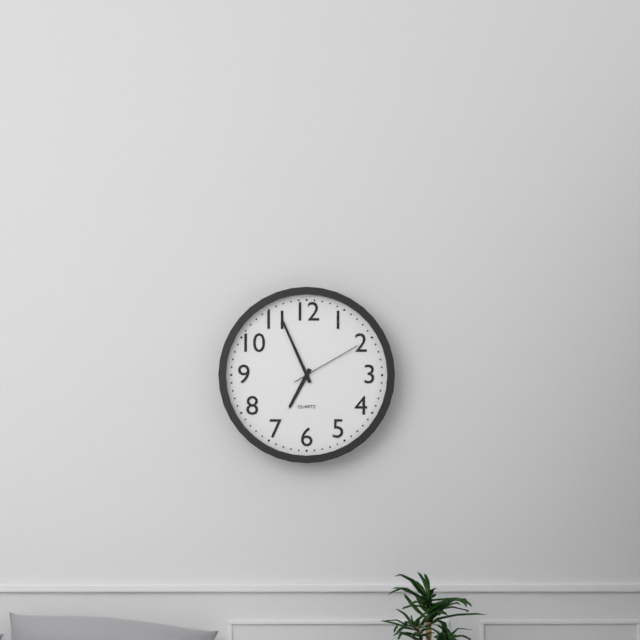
{"hour": 6, "minute": 56, "second": 10}
